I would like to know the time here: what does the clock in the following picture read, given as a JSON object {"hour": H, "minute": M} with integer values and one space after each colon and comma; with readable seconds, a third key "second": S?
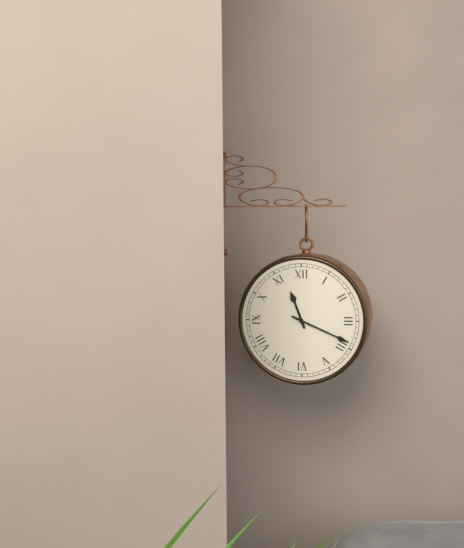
{"hour": 11, "minute": 19}
